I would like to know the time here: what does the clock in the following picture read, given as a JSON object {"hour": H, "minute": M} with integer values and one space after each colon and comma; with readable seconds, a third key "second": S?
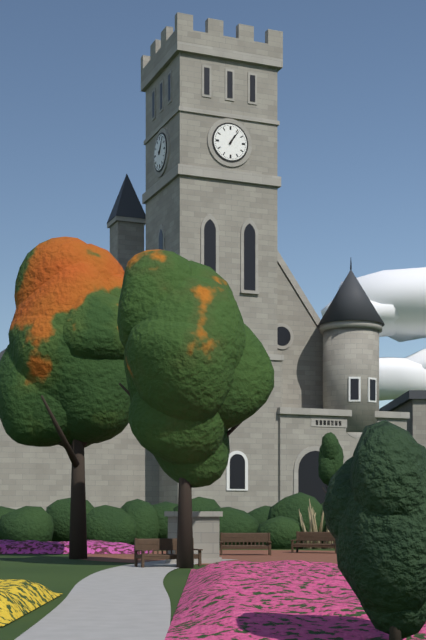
{"hour": 1, "minute": 6}
